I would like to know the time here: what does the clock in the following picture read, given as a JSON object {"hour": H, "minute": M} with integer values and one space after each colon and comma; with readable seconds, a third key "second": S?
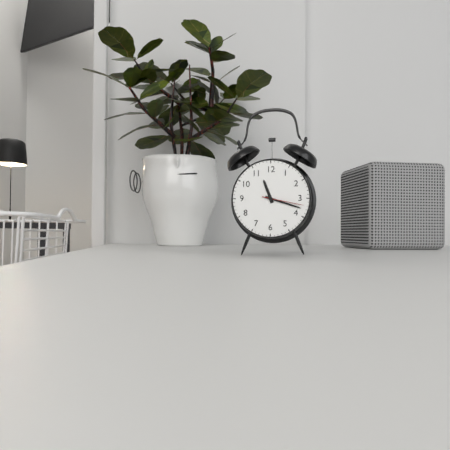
{"hour": 11, "minute": 18}
